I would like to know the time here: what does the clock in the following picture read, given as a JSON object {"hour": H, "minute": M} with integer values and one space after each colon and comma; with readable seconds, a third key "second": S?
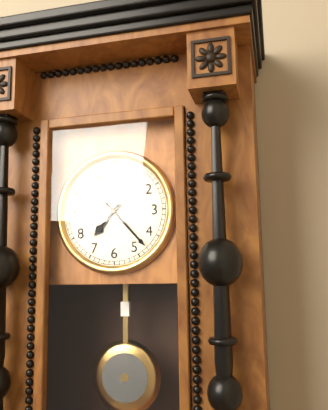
{"hour": 7, "minute": 23}
